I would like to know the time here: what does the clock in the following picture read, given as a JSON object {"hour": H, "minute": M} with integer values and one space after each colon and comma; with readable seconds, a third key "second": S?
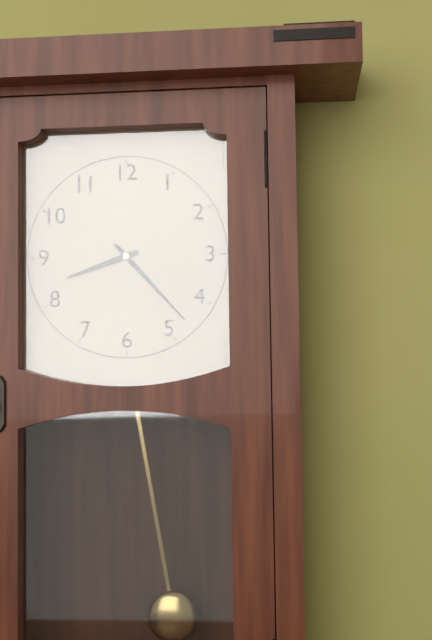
{"hour": 8, "minute": 23}
